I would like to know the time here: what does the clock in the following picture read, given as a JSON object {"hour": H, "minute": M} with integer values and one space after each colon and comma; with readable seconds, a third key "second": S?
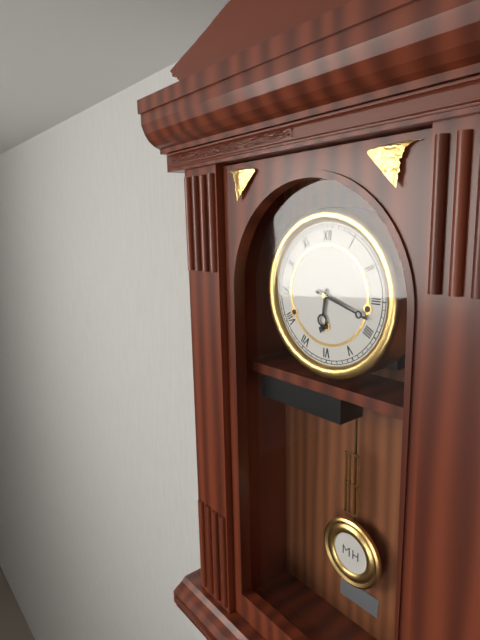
{"hour": 6, "minute": 18}
